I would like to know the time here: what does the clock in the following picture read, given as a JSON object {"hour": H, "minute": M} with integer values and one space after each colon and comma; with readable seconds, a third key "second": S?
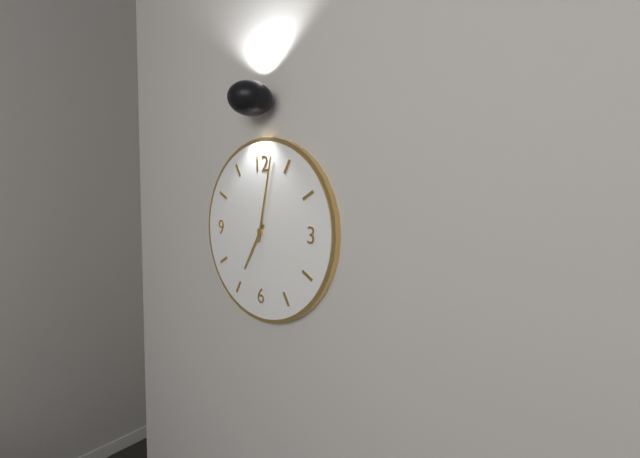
{"hour": 7, "minute": 2}
